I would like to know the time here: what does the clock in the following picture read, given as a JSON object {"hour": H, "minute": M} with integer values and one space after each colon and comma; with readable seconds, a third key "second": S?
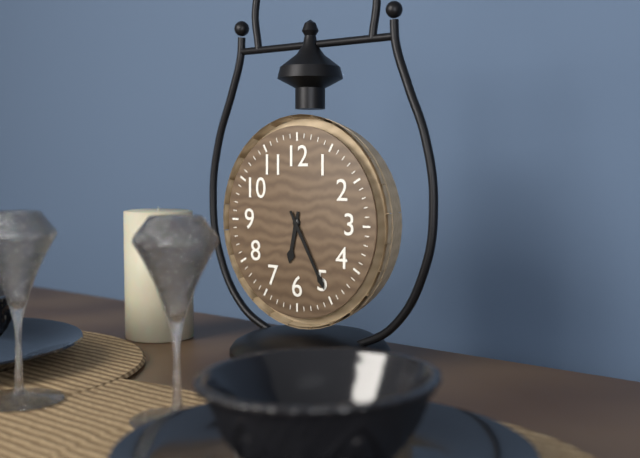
{"hour": 6, "minute": 25}
